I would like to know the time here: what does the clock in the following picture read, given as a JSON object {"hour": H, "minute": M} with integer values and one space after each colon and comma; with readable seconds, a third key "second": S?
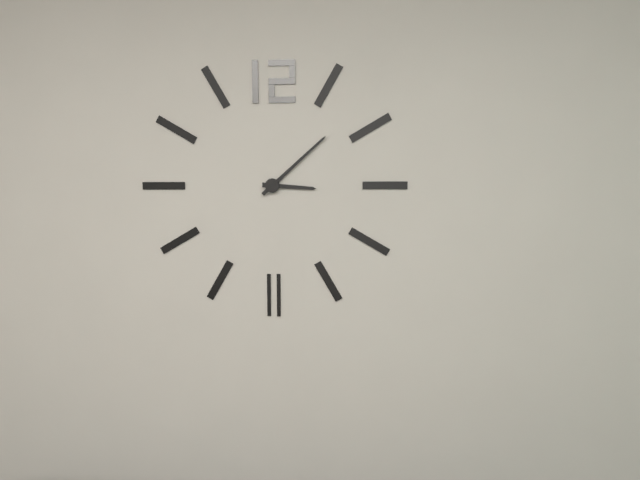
{"hour": 3, "minute": 8}
